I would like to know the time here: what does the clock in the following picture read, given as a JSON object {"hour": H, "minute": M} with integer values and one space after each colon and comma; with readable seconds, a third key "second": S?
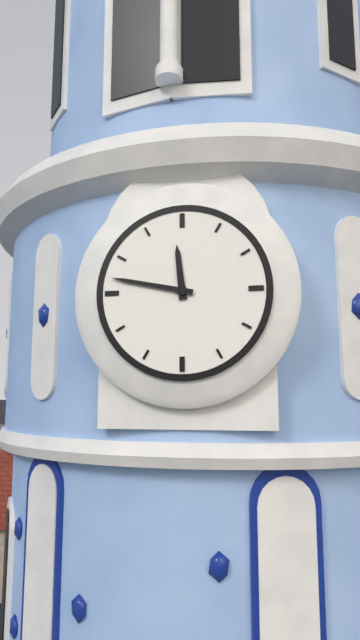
{"hour": 11, "minute": 47}
